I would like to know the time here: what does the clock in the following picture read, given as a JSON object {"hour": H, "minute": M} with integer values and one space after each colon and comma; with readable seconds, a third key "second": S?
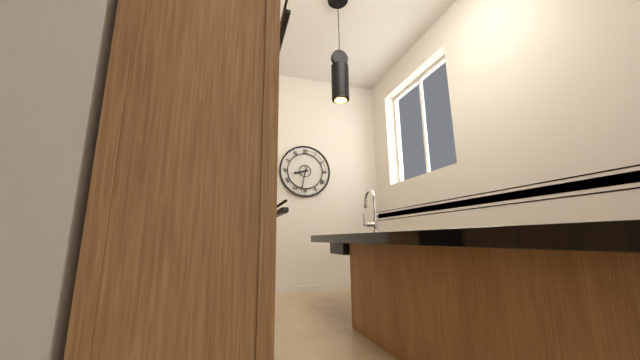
{"hour": 8, "minute": 32}
